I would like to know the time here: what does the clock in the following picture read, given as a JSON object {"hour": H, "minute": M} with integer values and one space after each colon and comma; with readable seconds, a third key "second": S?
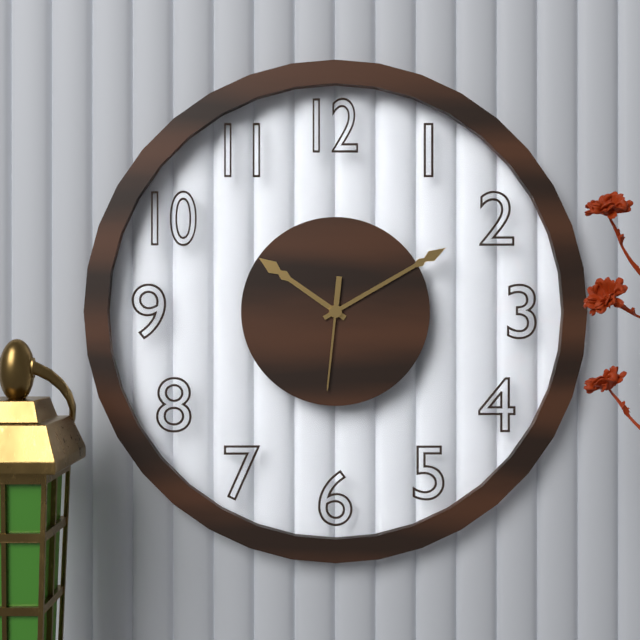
{"hour": 10, "minute": 10, "second": 31}
